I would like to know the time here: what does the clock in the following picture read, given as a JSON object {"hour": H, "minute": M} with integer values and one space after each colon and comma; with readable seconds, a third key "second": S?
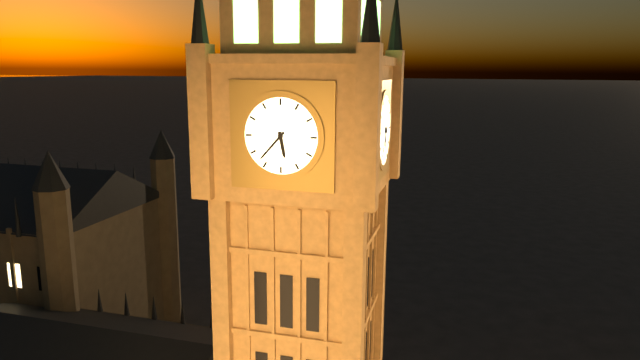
{"hour": 5, "minute": 37}
